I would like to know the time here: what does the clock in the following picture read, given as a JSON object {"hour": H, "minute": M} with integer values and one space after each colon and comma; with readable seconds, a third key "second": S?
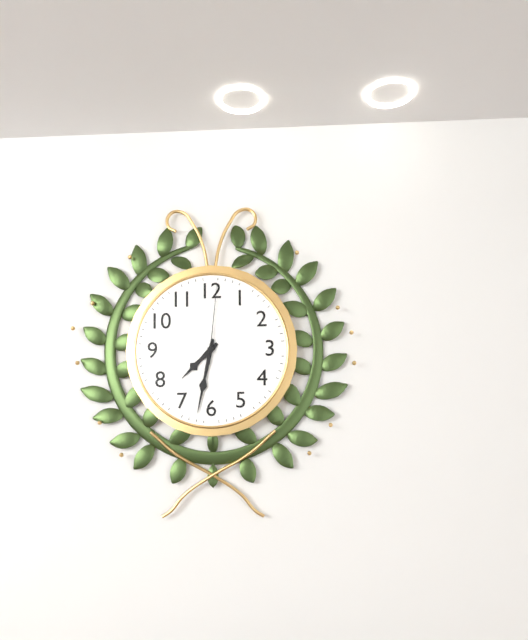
{"hour": 7, "minute": 32, "second": 1}
